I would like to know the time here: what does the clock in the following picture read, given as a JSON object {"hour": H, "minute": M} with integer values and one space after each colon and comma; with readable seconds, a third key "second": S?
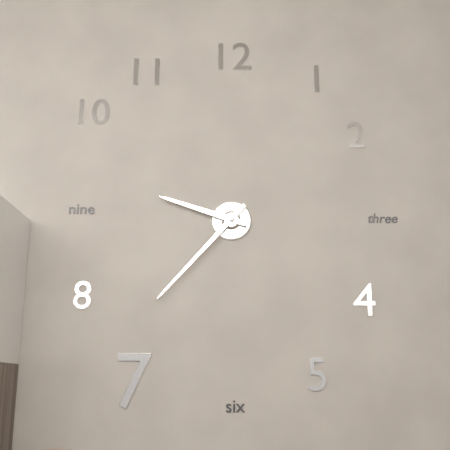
{"hour": 9, "minute": 37}
